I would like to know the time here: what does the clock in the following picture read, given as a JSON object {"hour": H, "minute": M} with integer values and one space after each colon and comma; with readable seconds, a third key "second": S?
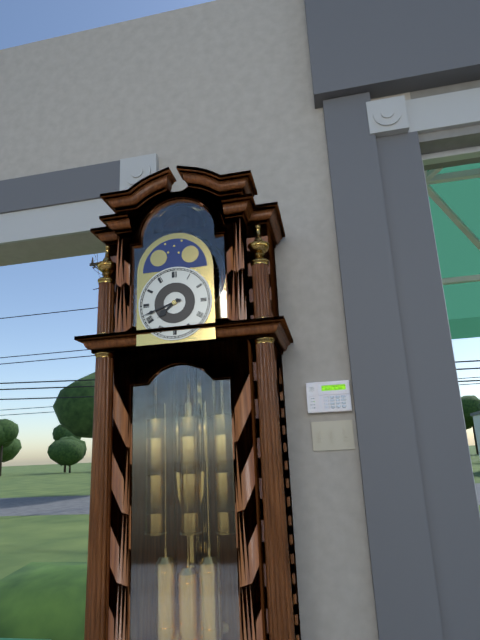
{"hour": 7, "minute": 42}
